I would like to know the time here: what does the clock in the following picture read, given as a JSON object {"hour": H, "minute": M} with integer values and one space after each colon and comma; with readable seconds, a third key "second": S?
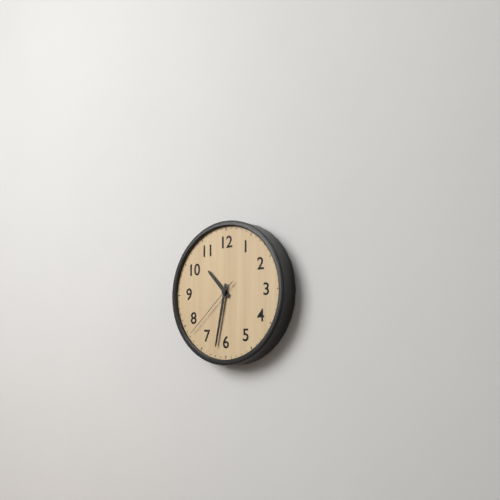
{"hour": 10, "minute": 32, "second": 38}
